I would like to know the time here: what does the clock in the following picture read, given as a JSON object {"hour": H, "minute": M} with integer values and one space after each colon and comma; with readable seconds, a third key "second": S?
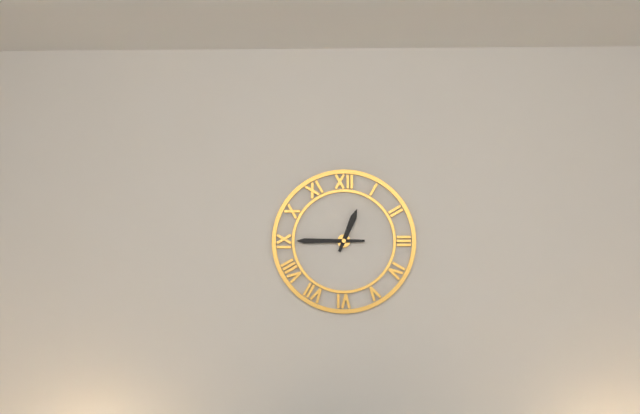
{"hour": 12, "minute": 45}
